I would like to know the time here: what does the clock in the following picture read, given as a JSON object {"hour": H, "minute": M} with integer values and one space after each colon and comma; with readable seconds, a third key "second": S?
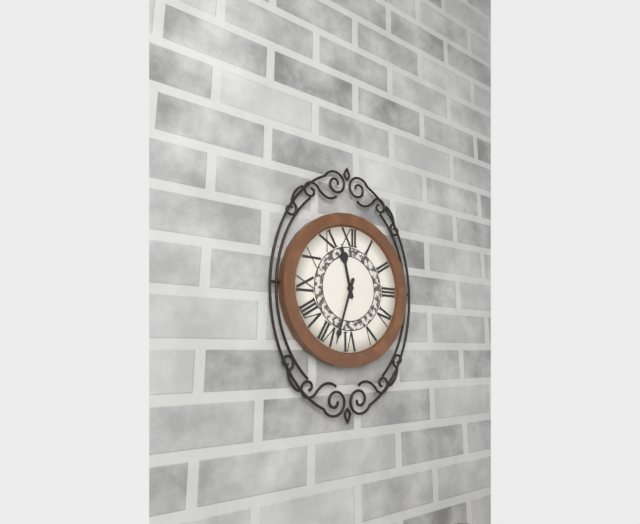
{"hour": 11, "minute": 33}
